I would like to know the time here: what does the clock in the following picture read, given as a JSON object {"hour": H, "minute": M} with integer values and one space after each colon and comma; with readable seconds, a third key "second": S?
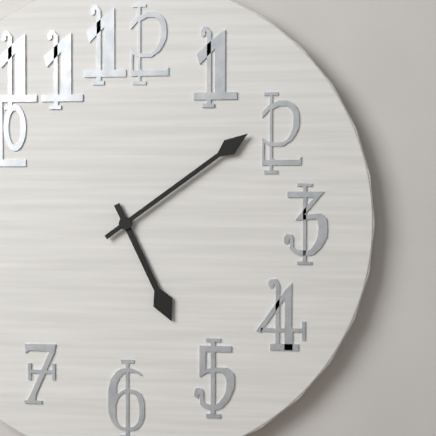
{"hour": 5, "minute": 9}
